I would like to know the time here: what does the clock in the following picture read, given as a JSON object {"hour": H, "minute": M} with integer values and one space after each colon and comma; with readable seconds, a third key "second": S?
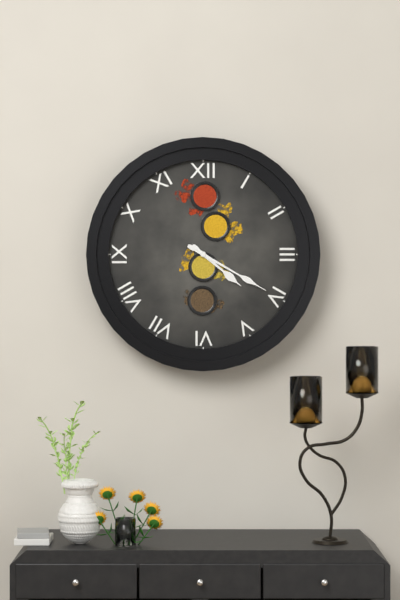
{"hour": 4, "minute": 20}
